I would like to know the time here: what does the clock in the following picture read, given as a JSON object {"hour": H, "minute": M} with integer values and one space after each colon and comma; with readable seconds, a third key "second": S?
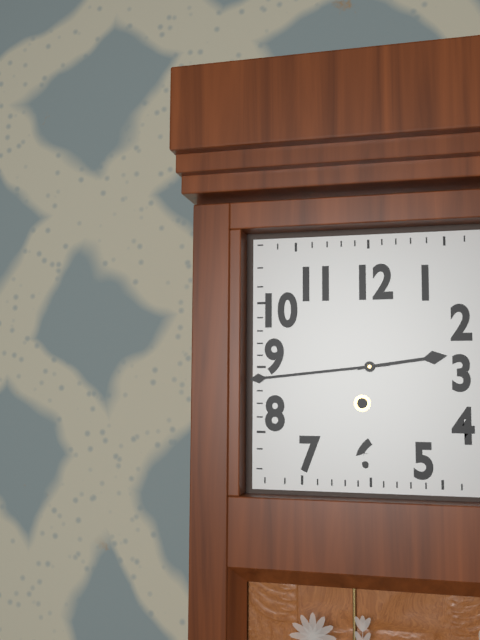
{"hour": 2, "minute": 44}
